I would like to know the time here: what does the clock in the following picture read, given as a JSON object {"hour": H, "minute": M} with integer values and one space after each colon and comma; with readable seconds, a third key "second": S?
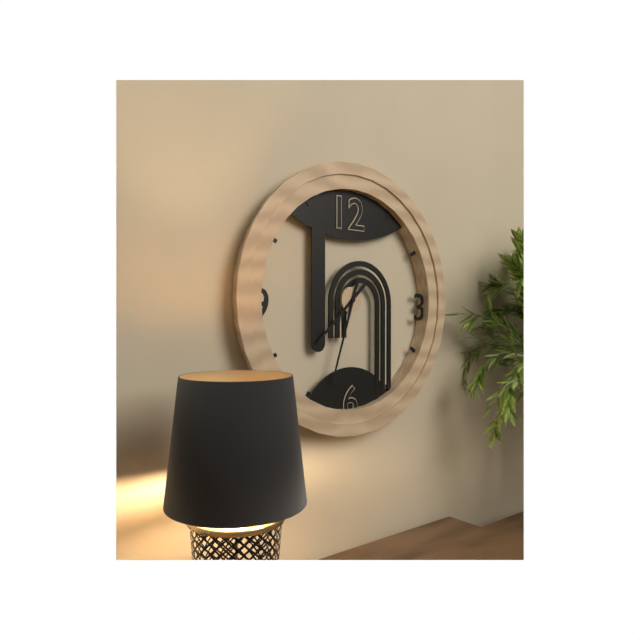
{"hour": 7, "minute": 33}
